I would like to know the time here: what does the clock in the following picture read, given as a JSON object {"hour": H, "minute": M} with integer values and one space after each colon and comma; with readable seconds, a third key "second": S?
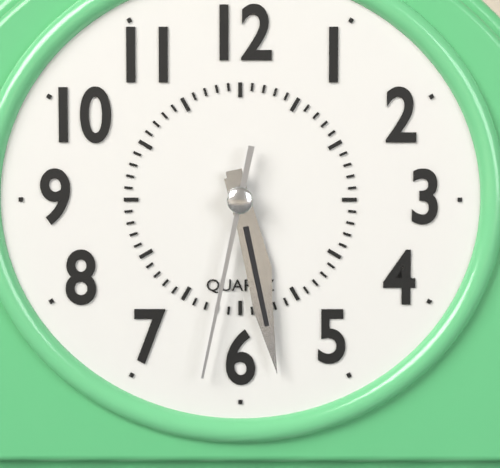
{"hour": 5, "minute": 28, "second": 32}
